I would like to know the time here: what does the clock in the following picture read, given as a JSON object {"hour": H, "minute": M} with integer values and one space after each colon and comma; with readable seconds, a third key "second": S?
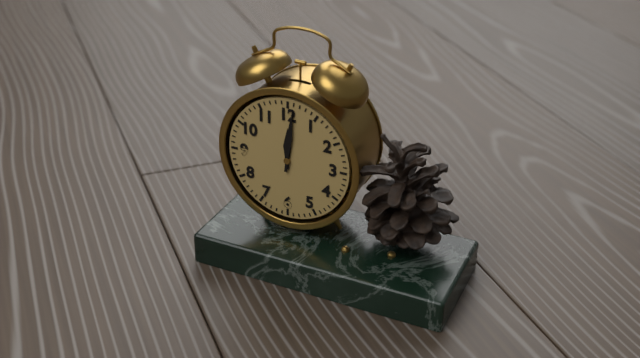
{"hour": 12, "minute": 1}
